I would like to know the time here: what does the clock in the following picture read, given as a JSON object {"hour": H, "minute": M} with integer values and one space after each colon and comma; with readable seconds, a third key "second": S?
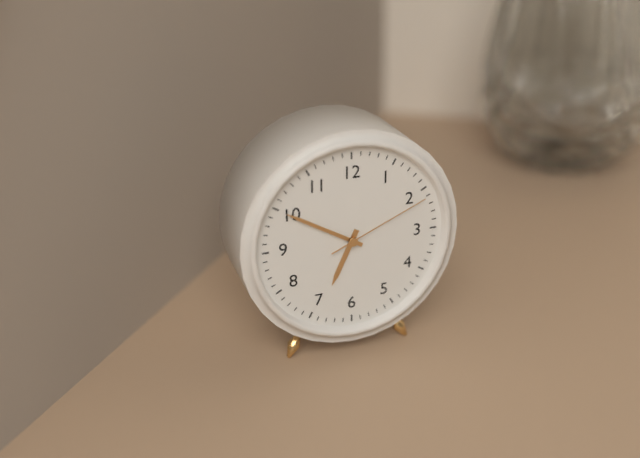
{"hour": 6, "minute": 50, "second": 11}
